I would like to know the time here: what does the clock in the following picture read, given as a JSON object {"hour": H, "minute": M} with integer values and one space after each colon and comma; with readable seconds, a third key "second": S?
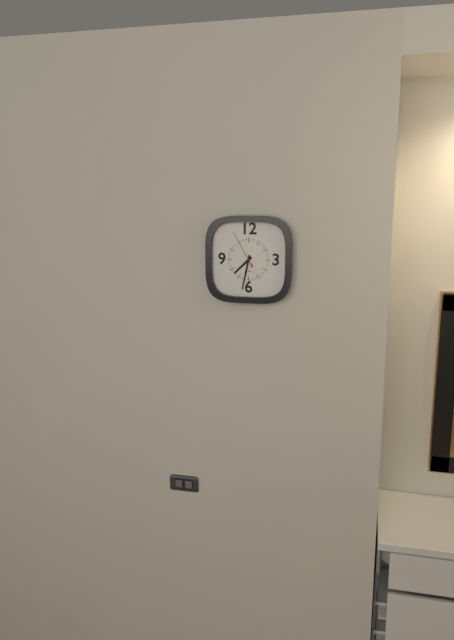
{"hour": 7, "minute": 32}
